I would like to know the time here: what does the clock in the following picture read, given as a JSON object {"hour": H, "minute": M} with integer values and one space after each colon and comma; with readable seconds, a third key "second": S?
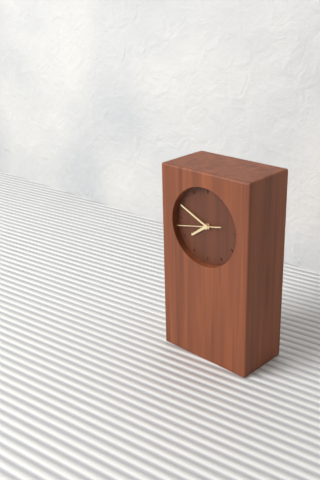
{"hour": 7, "minute": 49}
